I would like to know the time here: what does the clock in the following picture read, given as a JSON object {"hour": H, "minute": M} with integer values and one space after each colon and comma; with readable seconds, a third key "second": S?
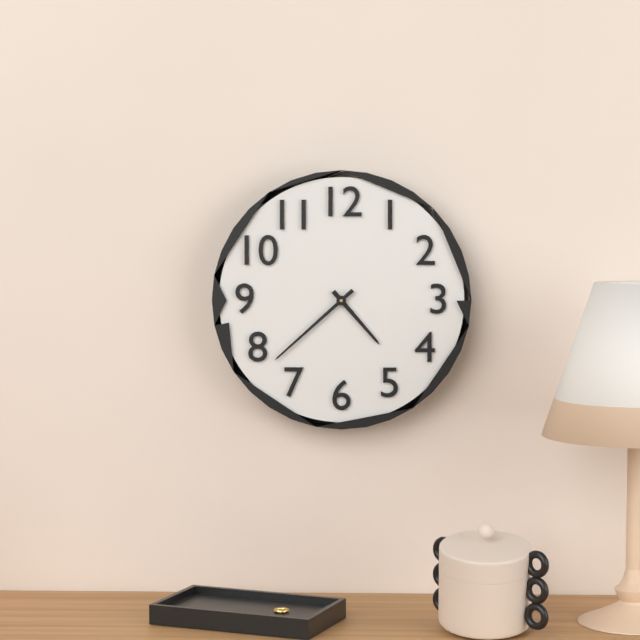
{"hour": 4, "minute": 38}
